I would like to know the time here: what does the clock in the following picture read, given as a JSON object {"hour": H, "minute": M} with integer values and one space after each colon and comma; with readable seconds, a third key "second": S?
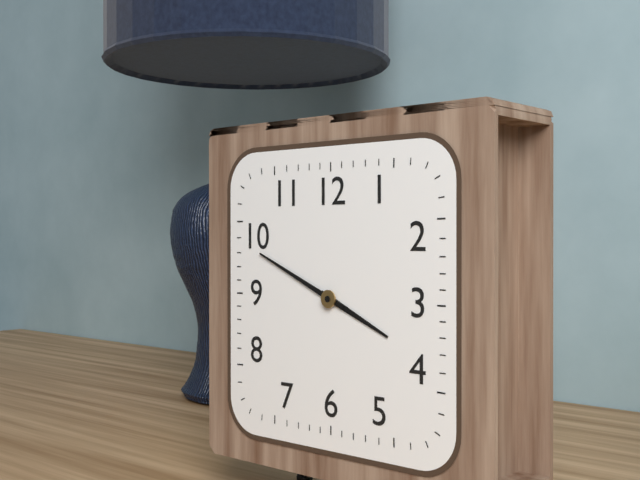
{"hour": 3, "minute": 49}
